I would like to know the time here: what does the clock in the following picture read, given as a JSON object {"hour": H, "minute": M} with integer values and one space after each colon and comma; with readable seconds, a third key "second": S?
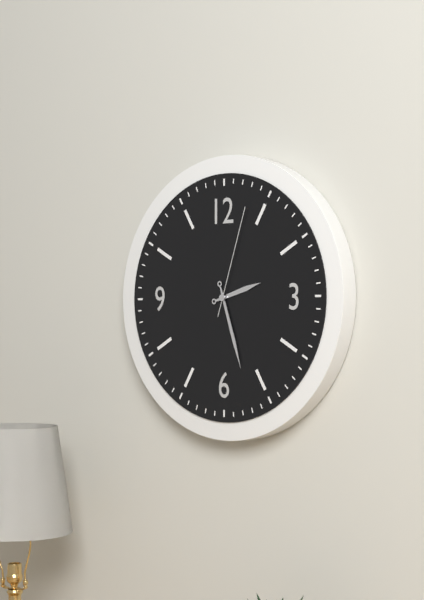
{"hour": 2, "minute": 27, "second": 3}
